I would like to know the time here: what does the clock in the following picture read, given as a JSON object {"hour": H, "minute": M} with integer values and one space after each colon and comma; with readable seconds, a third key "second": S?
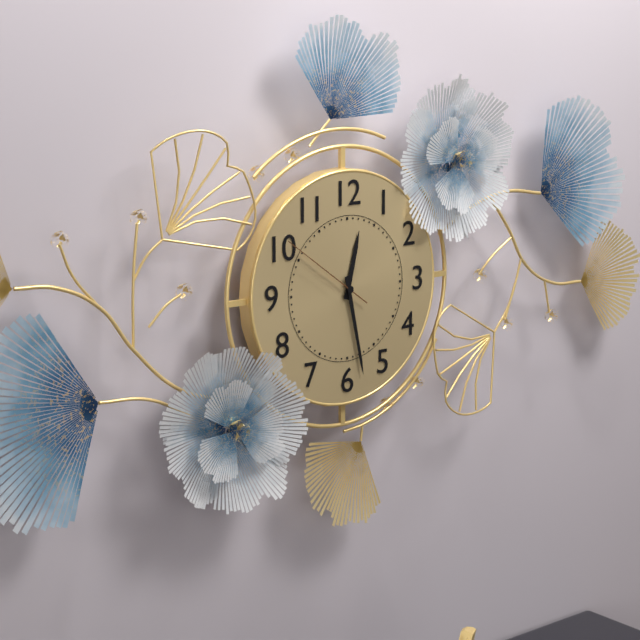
{"hour": 12, "minute": 28, "second": 51}
